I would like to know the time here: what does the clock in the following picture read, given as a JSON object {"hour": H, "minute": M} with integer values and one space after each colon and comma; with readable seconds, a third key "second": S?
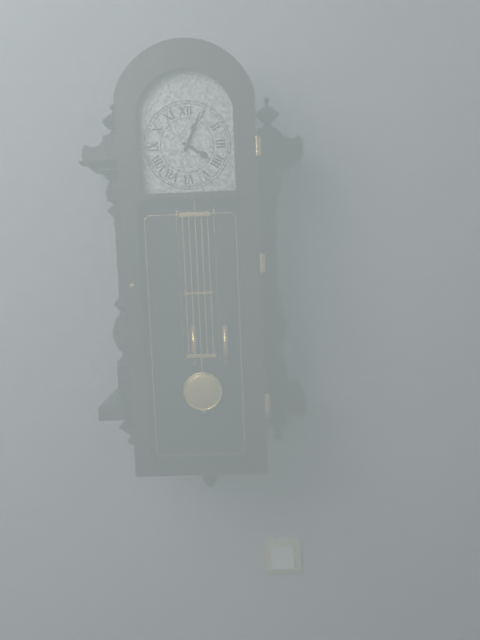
{"hour": 4, "minute": 4}
